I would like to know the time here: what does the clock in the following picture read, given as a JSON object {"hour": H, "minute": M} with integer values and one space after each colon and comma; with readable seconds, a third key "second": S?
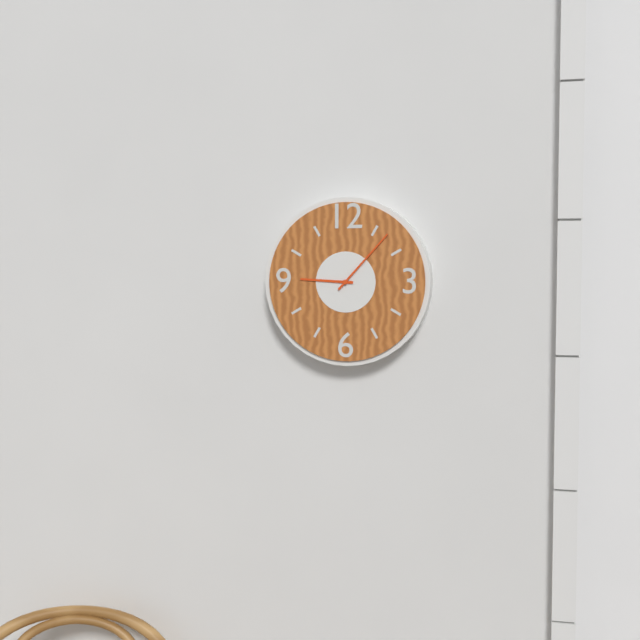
{"hour": 9, "minute": 7}
